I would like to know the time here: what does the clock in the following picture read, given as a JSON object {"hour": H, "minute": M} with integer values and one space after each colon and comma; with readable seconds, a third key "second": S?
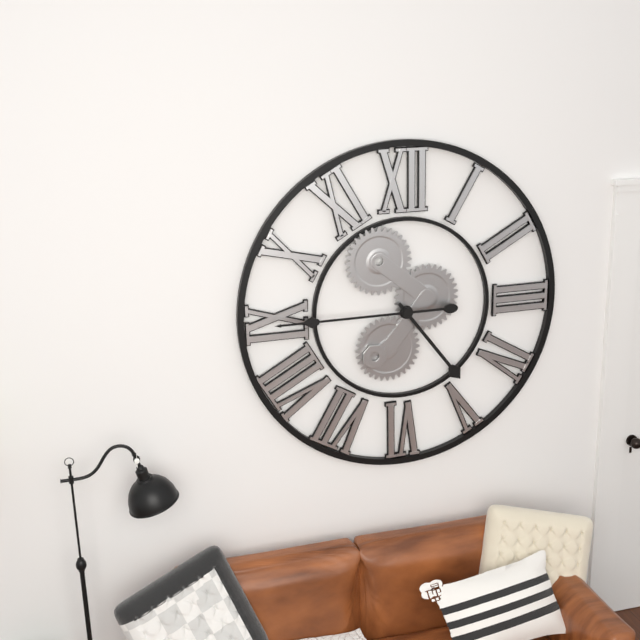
{"hour": 4, "minute": 45}
